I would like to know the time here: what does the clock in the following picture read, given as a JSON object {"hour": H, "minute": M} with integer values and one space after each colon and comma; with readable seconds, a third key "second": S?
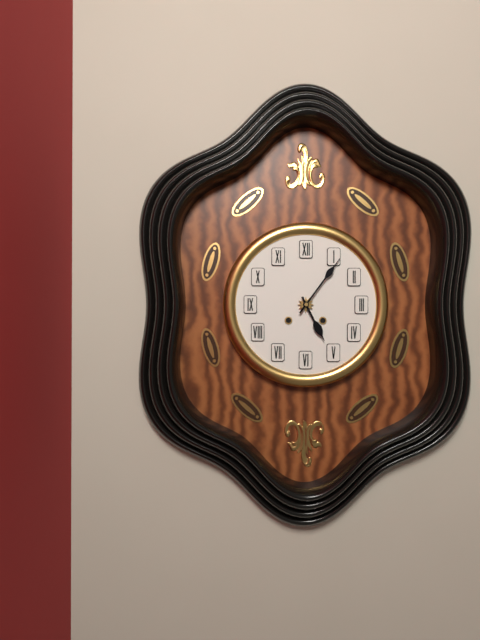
{"hour": 5, "minute": 6}
